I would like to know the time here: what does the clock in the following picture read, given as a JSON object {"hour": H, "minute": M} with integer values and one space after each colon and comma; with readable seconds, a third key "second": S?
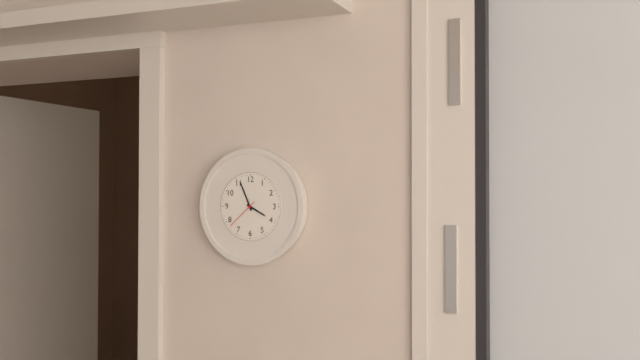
{"hour": 3, "minute": 56}
